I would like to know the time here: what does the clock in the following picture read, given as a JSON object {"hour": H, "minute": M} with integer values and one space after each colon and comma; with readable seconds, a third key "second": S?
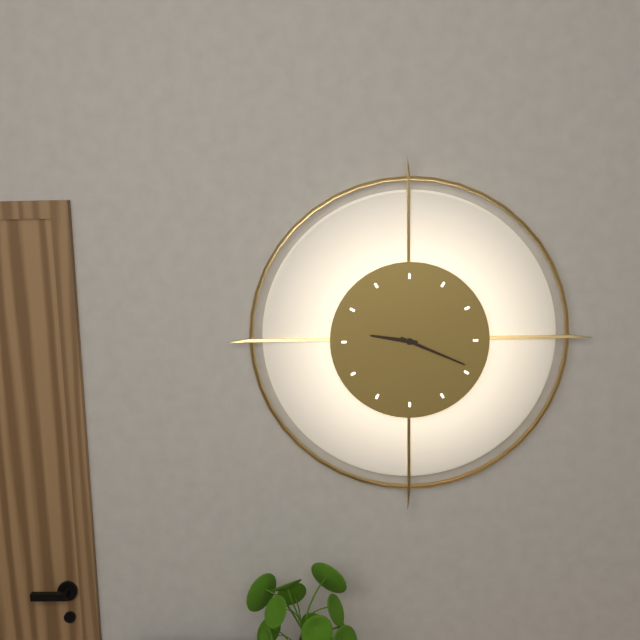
{"hour": 9, "minute": 19}
